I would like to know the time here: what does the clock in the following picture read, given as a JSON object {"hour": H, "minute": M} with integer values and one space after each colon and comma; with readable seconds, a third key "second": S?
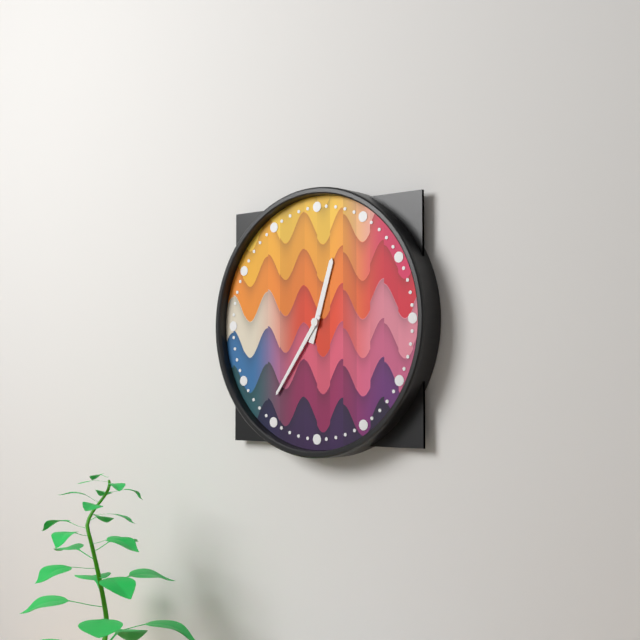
{"hour": 12, "minute": 36}
